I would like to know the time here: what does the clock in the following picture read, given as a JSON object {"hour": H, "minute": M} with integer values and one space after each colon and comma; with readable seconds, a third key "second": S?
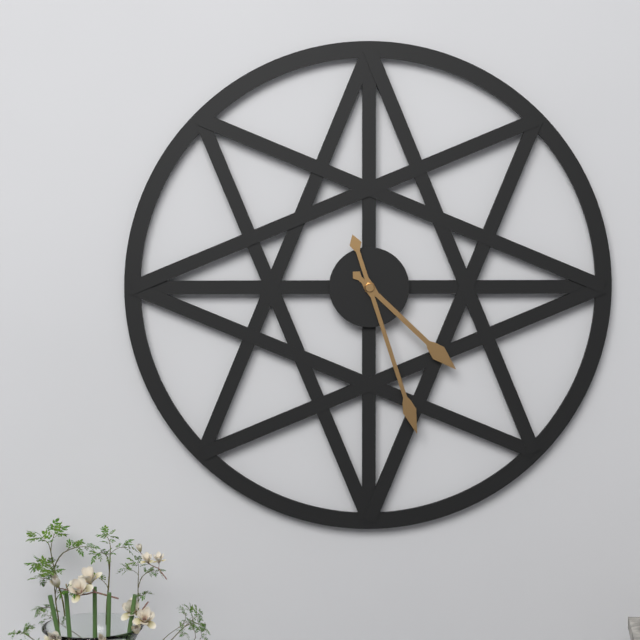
{"hour": 4, "minute": 27}
